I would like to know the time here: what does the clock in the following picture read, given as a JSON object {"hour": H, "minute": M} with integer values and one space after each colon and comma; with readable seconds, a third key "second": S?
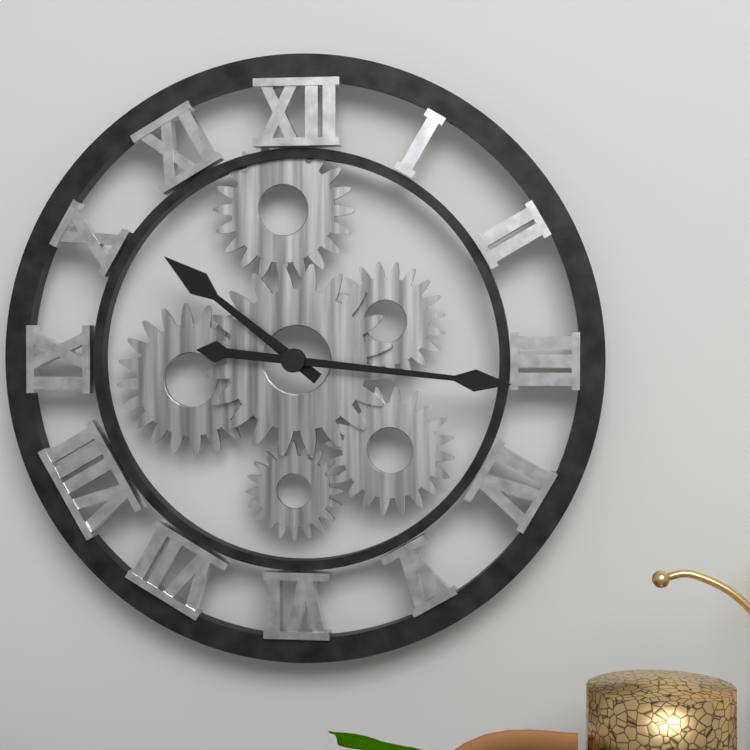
{"hour": 10, "minute": 16}
